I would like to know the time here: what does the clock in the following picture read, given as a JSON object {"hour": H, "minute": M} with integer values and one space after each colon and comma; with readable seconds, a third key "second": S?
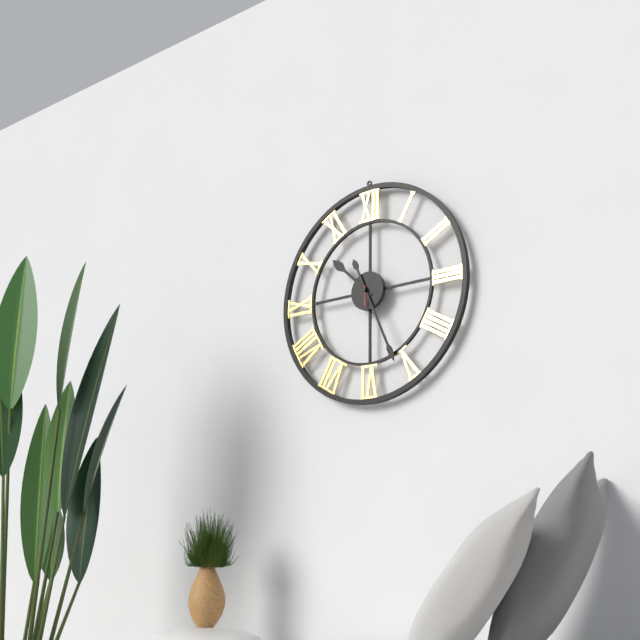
{"hour": 10, "minute": 26}
